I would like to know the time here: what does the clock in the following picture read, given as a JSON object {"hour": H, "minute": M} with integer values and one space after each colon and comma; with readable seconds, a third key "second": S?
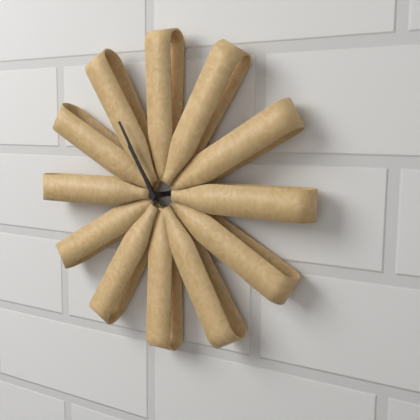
{"hour": 10, "minute": 55}
